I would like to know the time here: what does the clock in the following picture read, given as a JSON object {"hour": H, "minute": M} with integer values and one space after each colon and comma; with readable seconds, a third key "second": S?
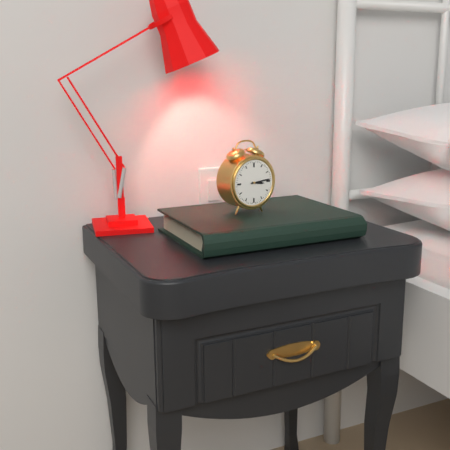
{"hour": 3, "minute": 14}
